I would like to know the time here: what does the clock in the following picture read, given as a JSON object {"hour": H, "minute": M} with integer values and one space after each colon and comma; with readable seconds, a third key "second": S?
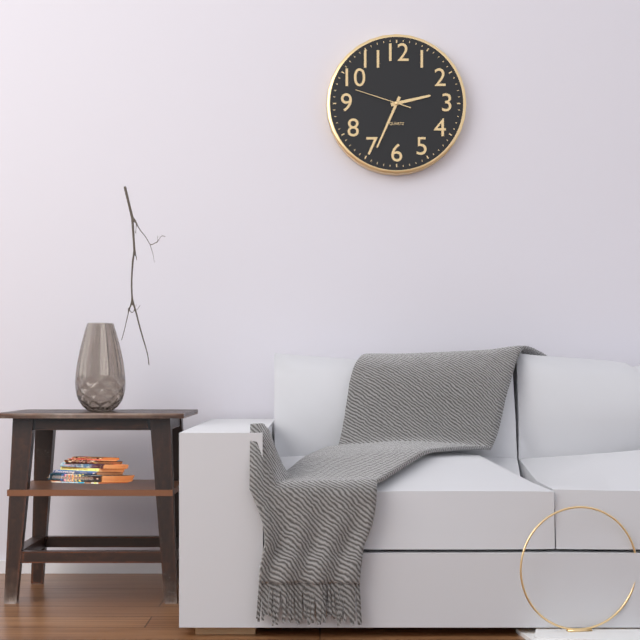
{"hour": 2, "minute": 34, "second": 48}
